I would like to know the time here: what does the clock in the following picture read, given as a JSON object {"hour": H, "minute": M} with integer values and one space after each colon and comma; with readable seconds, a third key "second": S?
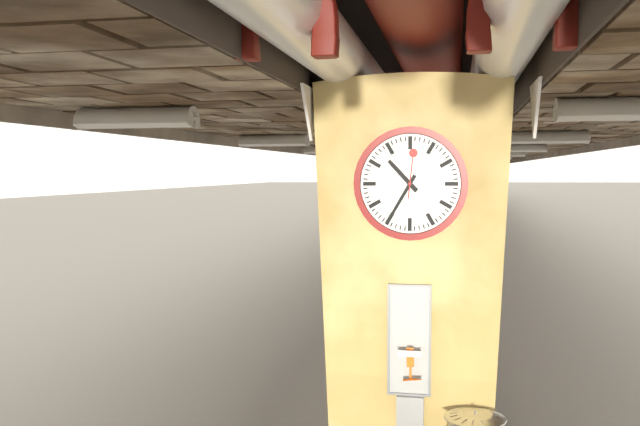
{"hour": 10, "minute": 35}
